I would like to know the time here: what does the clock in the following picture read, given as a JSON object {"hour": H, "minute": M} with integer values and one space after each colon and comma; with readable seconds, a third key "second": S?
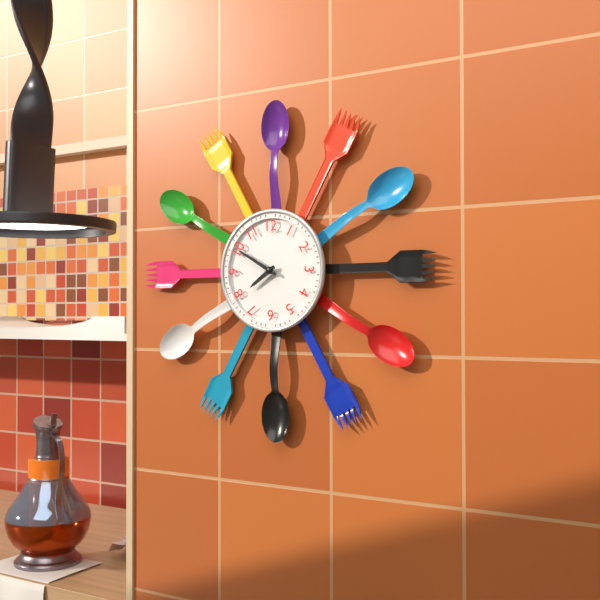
{"hour": 7, "minute": 50}
